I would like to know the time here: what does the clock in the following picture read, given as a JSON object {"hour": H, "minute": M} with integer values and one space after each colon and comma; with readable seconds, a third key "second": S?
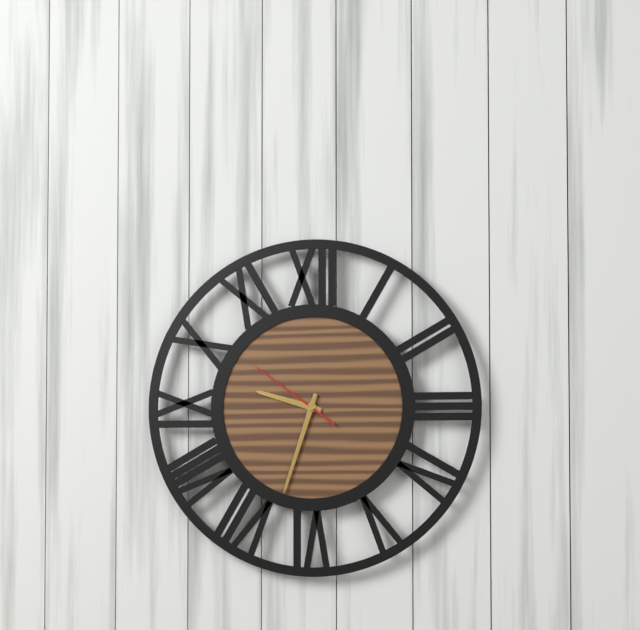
{"hour": 9, "minute": 33, "second": 51}
